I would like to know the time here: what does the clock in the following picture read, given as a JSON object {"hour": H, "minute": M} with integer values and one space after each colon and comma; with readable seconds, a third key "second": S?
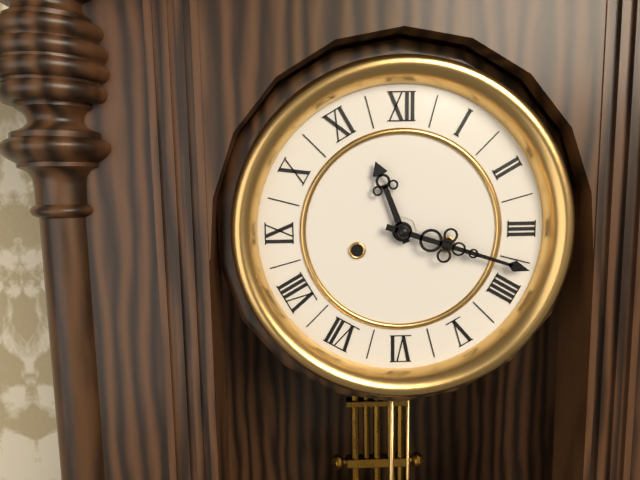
{"hour": 11, "minute": 18}
